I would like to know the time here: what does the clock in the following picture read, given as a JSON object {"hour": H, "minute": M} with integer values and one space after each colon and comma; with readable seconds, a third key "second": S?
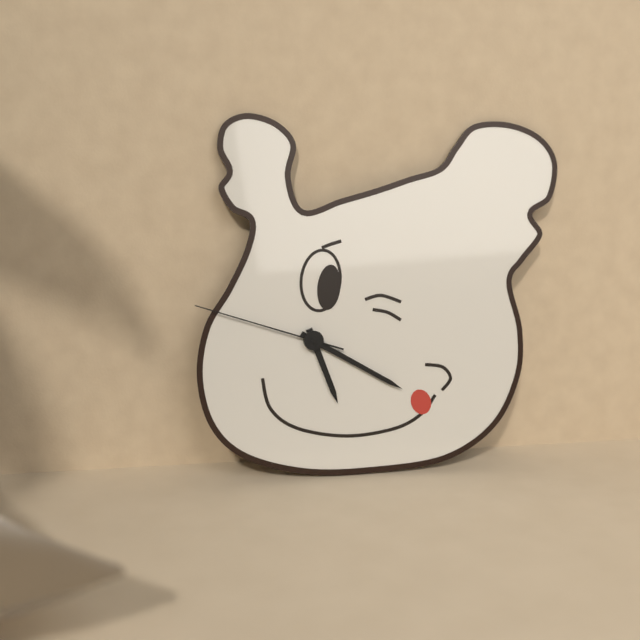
{"hour": 5, "minute": 20, "second": 48}
